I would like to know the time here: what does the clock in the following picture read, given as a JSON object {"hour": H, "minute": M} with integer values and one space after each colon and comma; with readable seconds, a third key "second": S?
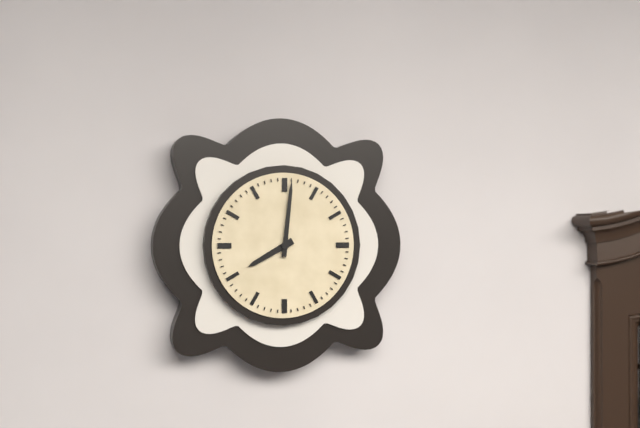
{"hour": 8, "minute": 1}
